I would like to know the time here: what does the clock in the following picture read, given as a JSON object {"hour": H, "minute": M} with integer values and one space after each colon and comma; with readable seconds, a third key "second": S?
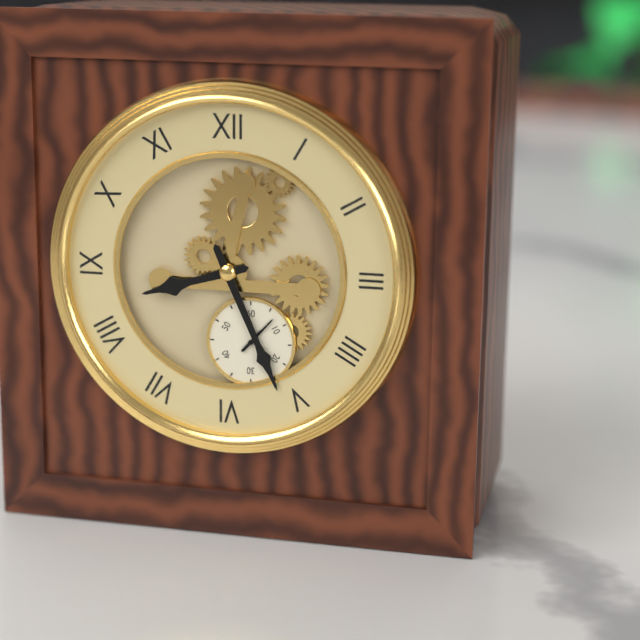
{"hour": 8, "minute": 26}
